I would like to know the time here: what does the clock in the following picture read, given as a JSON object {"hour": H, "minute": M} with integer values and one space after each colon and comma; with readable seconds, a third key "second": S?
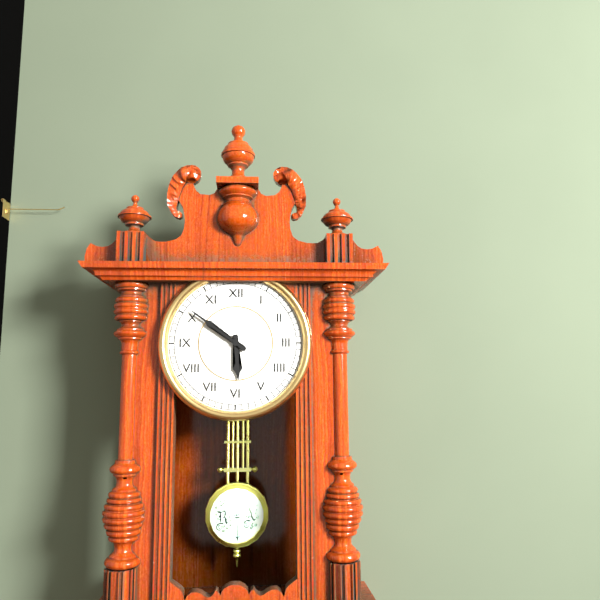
{"hour": 5, "minute": 51}
